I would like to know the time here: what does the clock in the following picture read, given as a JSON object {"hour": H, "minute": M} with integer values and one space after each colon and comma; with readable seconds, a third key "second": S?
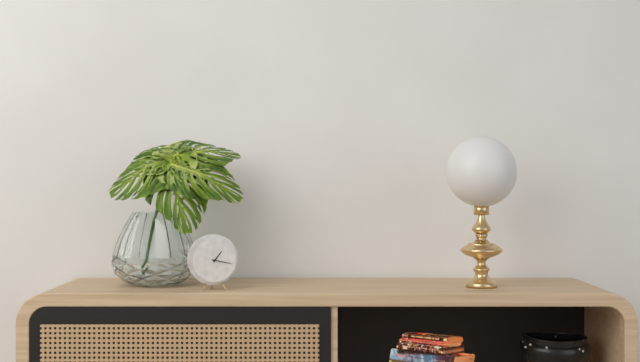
{"hour": 1, "minute": 17}
